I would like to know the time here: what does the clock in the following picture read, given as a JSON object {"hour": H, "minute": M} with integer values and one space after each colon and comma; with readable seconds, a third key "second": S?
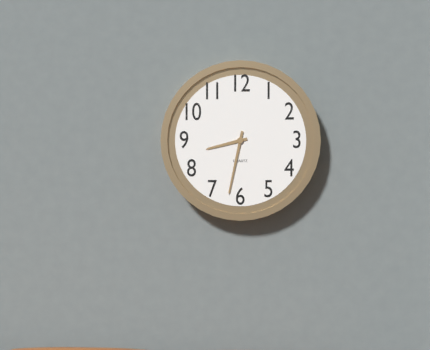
{"hour": 8, "minute": 32}
